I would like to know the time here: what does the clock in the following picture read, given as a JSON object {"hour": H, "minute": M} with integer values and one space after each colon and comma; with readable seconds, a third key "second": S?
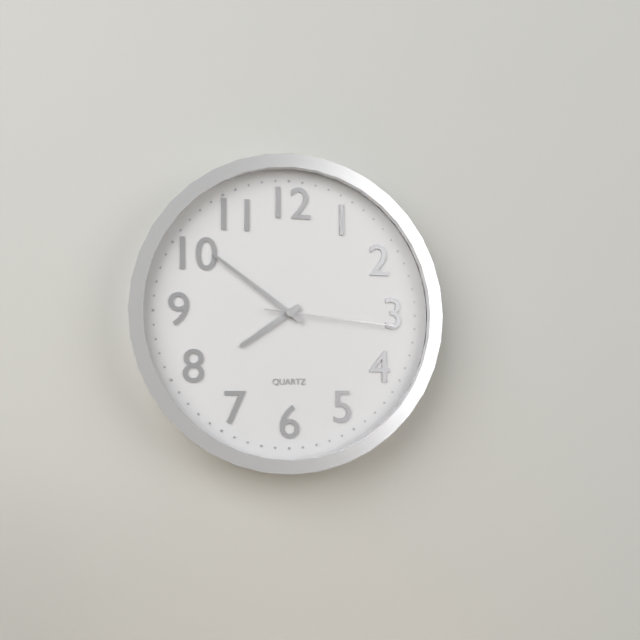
{"hour": 7, "minute": 51, "second": 16}
